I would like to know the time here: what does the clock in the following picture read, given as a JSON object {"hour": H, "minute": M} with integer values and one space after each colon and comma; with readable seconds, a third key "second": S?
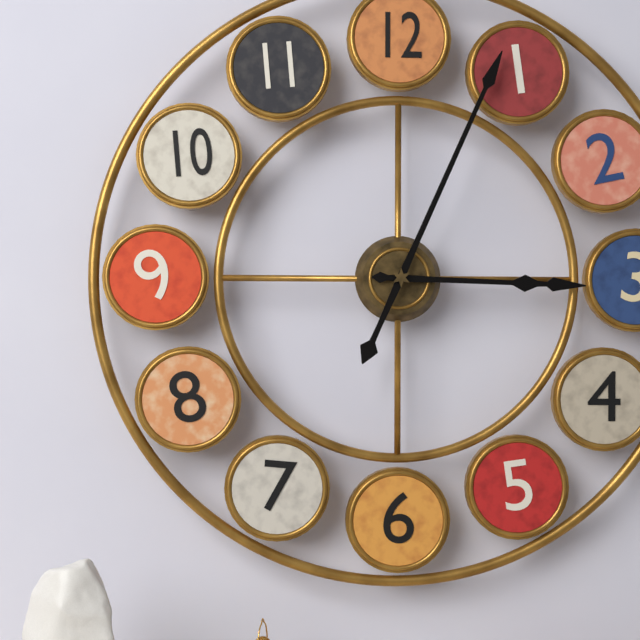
{"hour": 3, "minute": 4}
